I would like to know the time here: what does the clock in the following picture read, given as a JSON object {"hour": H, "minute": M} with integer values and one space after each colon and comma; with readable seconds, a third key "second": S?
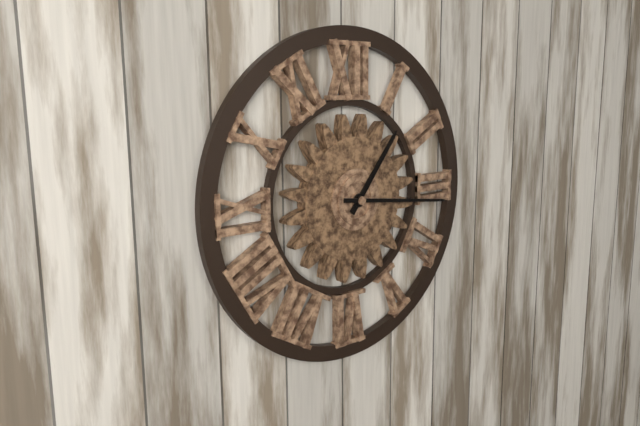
{"hour": 1, "minute": 16}
